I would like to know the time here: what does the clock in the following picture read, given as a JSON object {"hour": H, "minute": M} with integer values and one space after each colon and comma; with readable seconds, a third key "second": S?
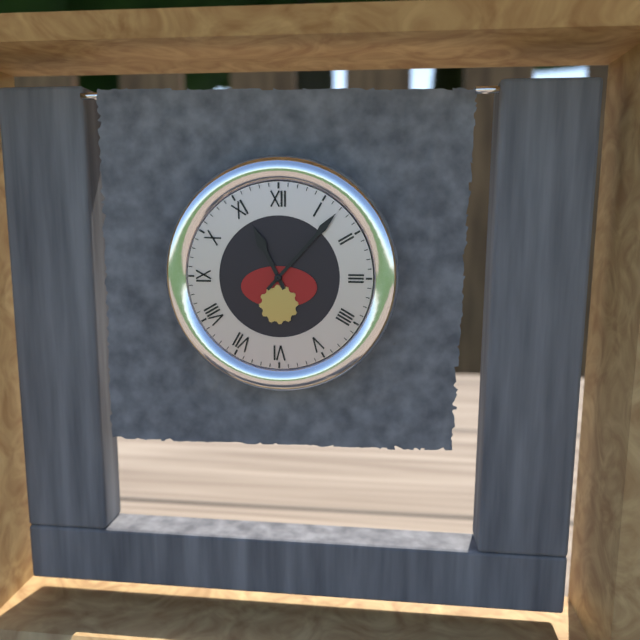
{"hour": 11, "minute": 7}
